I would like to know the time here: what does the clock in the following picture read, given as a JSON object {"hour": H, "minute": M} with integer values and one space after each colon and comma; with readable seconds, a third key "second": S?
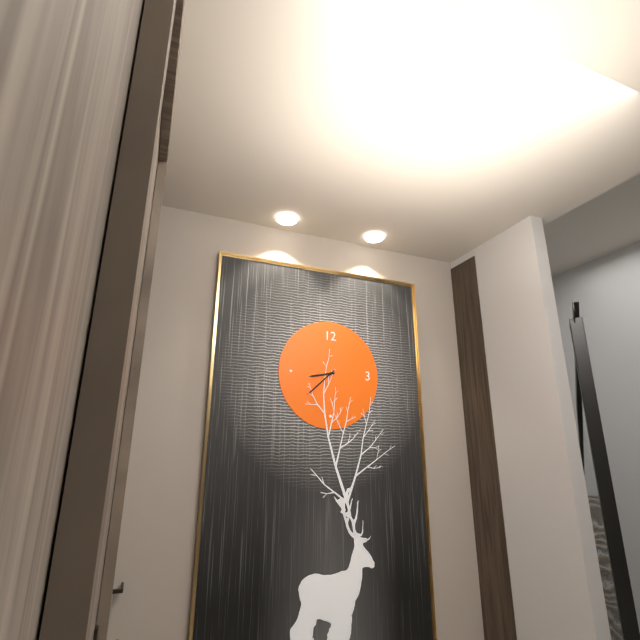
{"hour": 8, "minute": 38}
